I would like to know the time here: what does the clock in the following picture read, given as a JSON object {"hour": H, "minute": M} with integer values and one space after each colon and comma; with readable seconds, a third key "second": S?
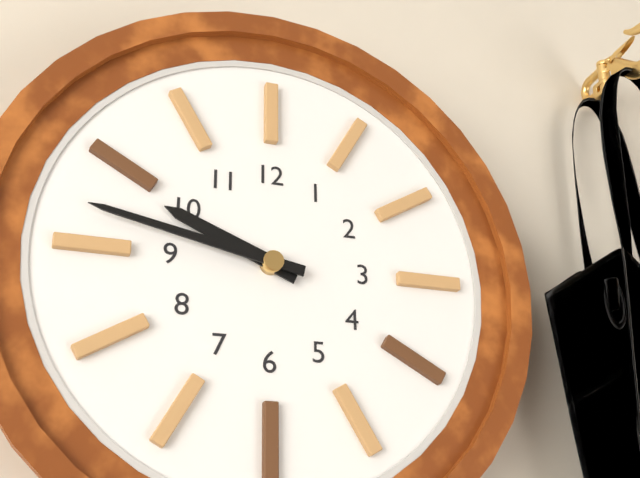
{"hour": 9, "minute": 47}
